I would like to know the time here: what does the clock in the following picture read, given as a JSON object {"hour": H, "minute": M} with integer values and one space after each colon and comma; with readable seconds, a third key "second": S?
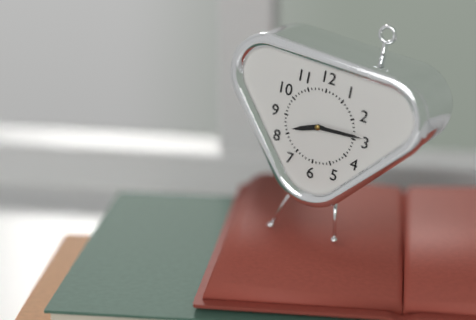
{"hour": 8, "minute": 14}
